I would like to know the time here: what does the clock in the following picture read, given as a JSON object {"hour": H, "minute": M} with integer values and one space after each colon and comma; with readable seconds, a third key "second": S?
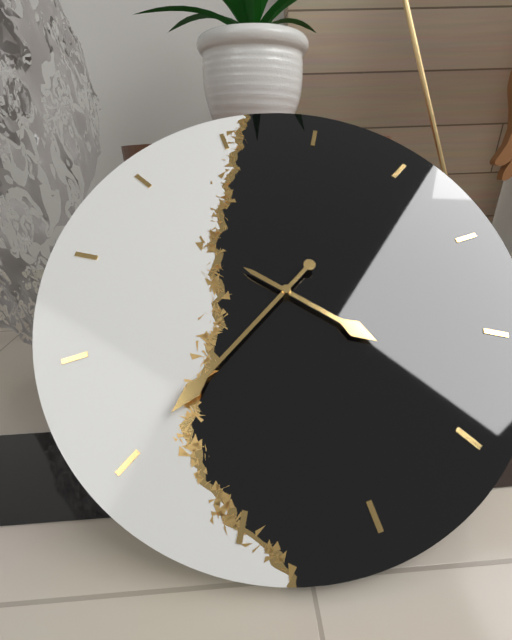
{"hour": 4, "minute": 40}
